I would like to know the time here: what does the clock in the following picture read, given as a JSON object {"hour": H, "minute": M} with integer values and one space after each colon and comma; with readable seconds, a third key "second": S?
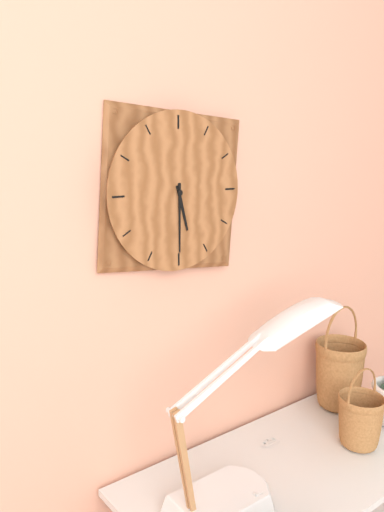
{"hour": 5, "minute": 30}
